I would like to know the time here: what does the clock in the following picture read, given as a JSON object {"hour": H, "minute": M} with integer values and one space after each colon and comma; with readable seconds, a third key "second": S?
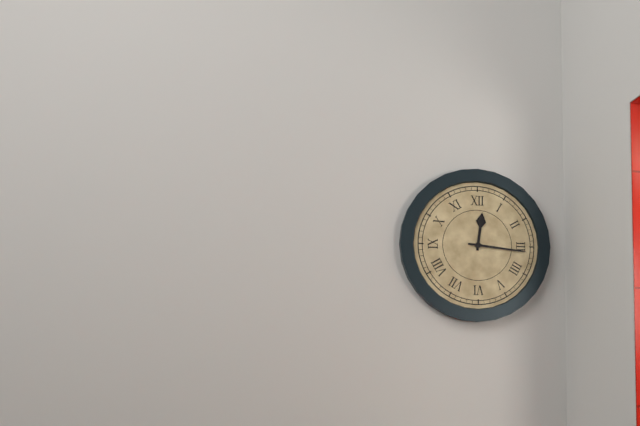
{"hour": 12, "minute": 16}
